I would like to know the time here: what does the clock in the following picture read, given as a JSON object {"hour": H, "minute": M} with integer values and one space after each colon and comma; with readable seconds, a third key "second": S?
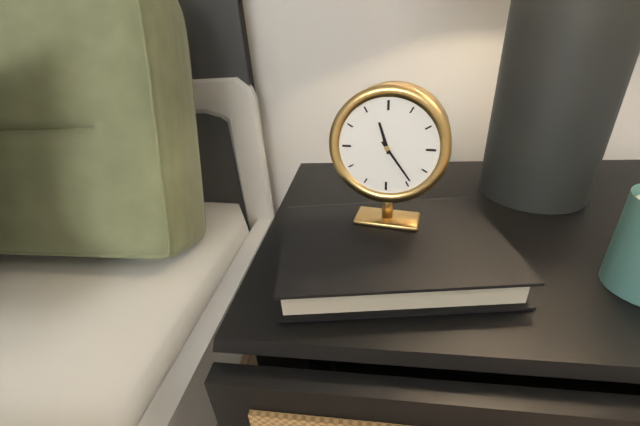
{"hour": 11, "minute": 24}
